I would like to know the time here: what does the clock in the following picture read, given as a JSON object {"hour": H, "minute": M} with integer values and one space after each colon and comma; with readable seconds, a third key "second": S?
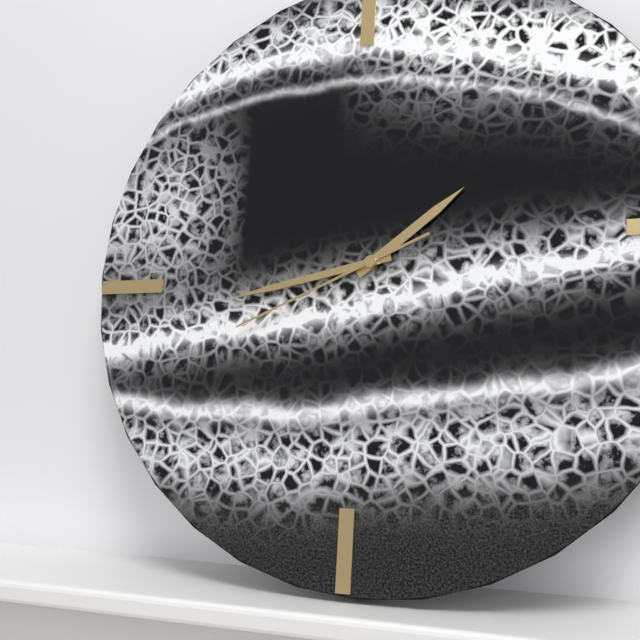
{"hour": 1, "minute": 43, "second": 41}
